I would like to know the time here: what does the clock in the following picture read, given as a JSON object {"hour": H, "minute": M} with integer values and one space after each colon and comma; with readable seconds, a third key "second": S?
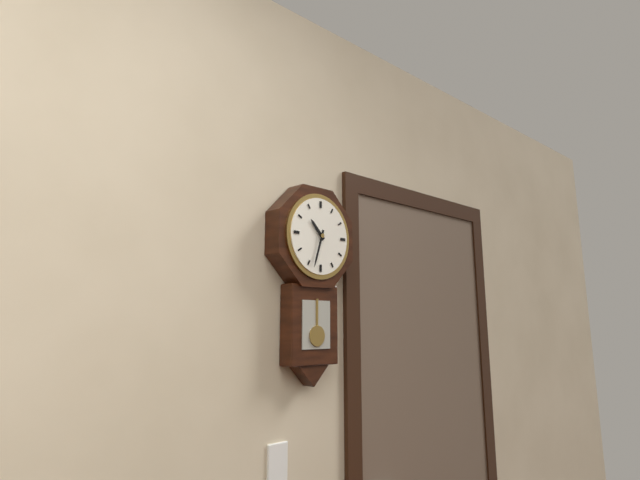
{"hour": 10, "minute": 33}
